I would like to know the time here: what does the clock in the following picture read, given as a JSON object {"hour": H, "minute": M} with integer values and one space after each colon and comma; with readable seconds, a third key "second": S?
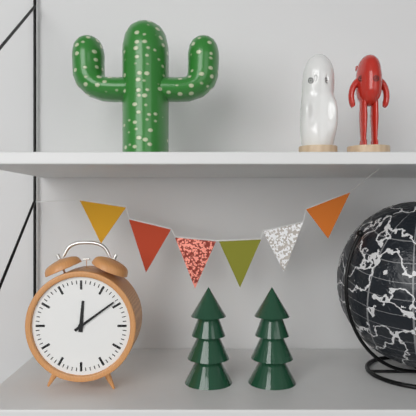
{"hour": 12, "minute": 9}
